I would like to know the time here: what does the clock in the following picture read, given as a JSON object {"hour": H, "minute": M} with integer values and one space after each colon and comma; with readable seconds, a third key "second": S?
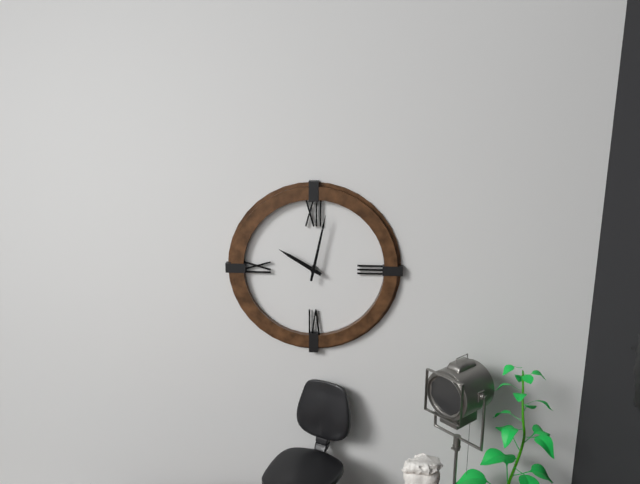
{"hour": 10, "minute": 2}
